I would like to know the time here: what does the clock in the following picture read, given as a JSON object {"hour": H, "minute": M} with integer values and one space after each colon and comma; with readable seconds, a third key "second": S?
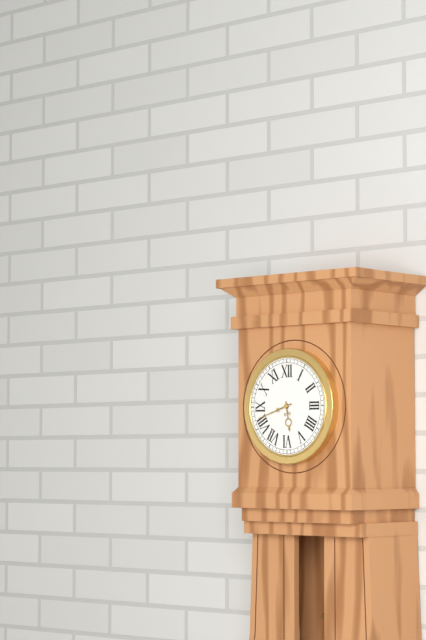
{"hour": 5, "minute": 42}
